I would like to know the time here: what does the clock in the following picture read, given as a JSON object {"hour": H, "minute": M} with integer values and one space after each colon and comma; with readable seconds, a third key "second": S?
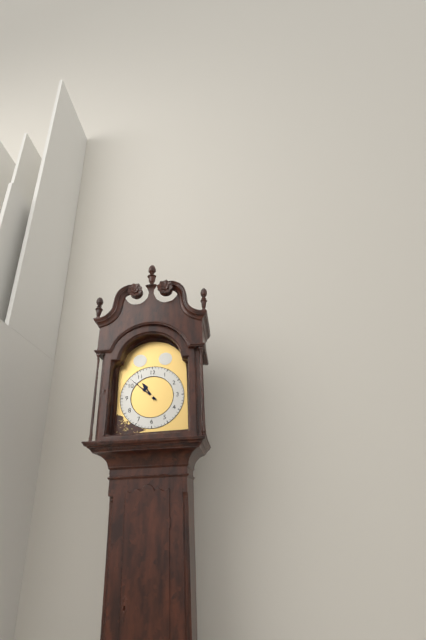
{"hour": 10, "minute": 52}
